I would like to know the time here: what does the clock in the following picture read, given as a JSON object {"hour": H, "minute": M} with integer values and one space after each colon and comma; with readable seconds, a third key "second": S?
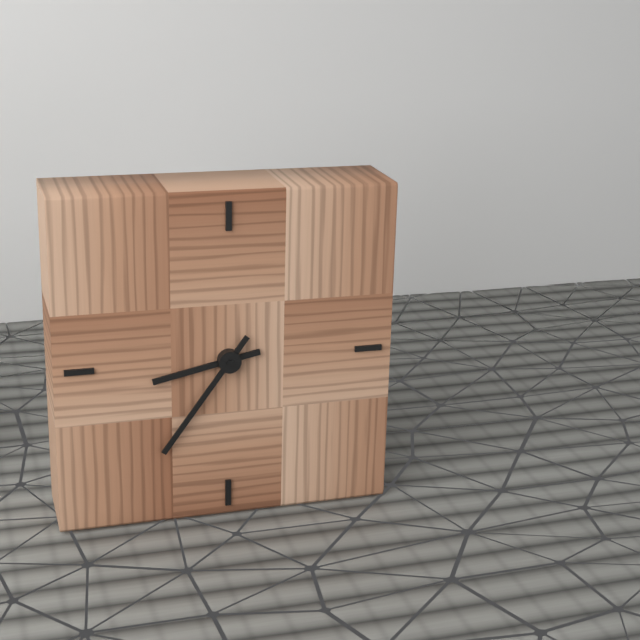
{"hour": 8, "minute": 36}
